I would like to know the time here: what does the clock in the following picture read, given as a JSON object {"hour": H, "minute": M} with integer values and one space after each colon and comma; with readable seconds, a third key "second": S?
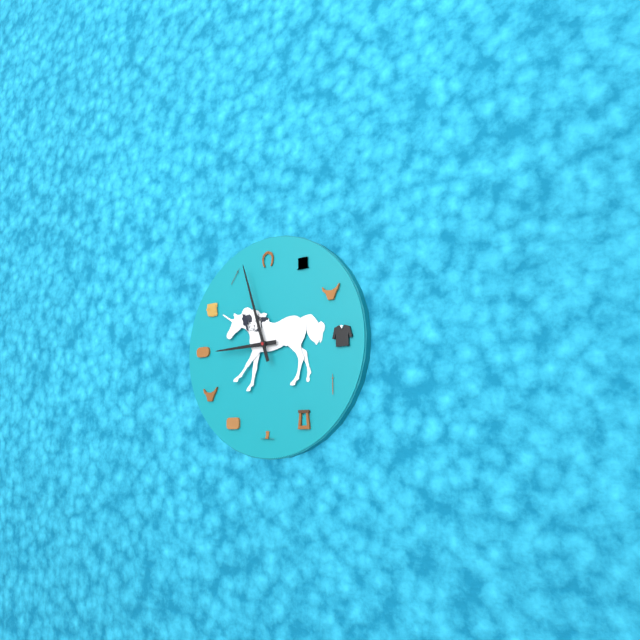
{"hour": 8, "minute": 57}
